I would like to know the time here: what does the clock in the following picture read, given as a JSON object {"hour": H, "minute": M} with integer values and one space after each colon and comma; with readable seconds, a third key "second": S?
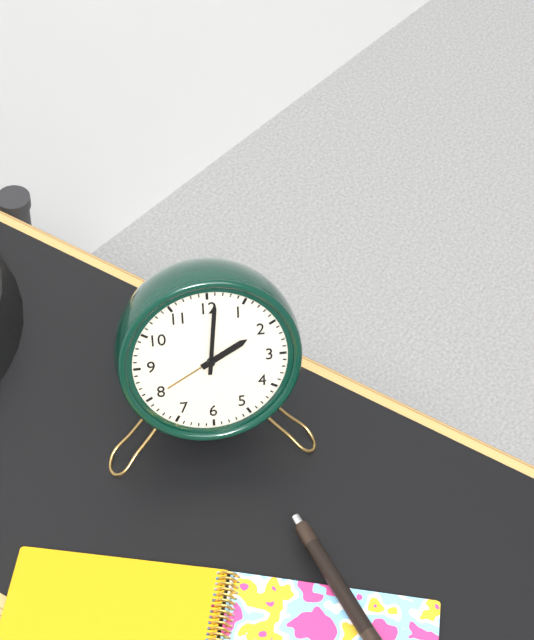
{"hour": 2, "minute": 1}
